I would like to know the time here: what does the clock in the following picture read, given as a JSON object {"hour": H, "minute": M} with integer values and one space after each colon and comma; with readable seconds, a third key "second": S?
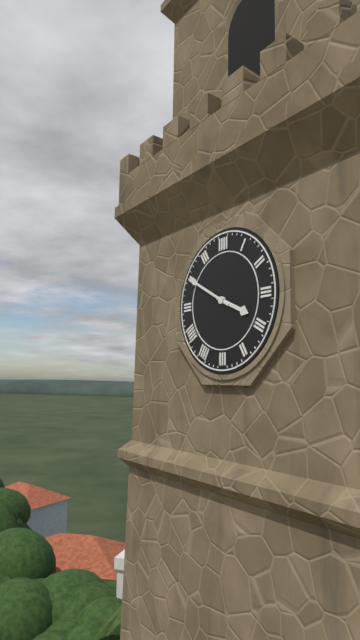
{"hour": 3, "minute": 50}
